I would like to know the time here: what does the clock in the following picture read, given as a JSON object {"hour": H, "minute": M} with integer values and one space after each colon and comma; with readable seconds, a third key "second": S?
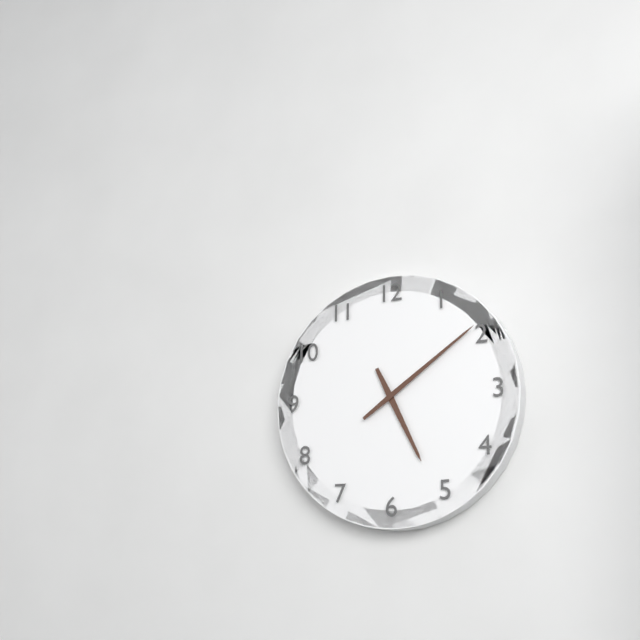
{"hour": 5, "minute": 9}
